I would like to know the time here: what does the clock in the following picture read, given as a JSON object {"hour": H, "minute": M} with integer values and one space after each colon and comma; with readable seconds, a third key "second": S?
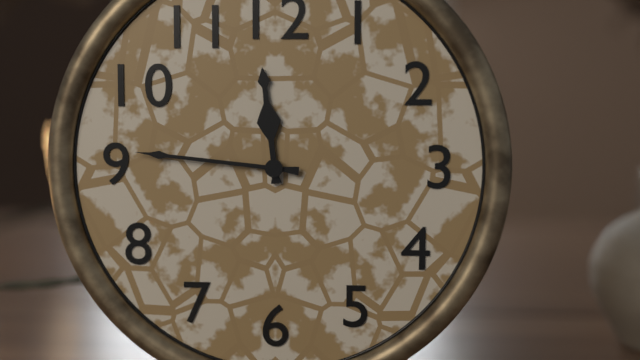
{"hour": 11, "minute": 46}
